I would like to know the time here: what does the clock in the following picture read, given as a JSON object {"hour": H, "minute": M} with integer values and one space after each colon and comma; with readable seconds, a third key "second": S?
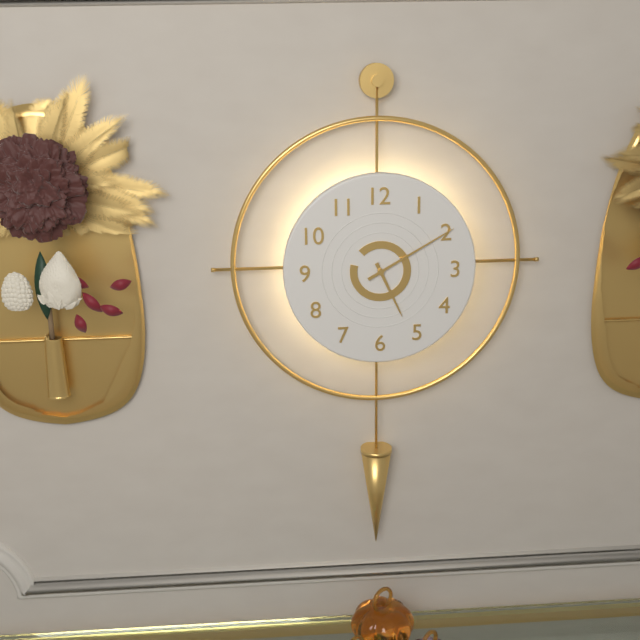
{"hour": 5, "minute": 10}
